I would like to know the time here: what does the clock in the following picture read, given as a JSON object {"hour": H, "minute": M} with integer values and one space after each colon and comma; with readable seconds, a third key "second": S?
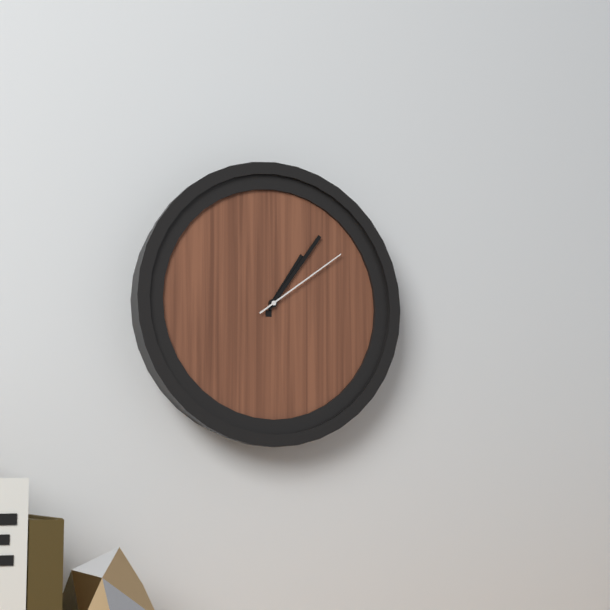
{"hour": 1, "minute": 6, "second": 9}
